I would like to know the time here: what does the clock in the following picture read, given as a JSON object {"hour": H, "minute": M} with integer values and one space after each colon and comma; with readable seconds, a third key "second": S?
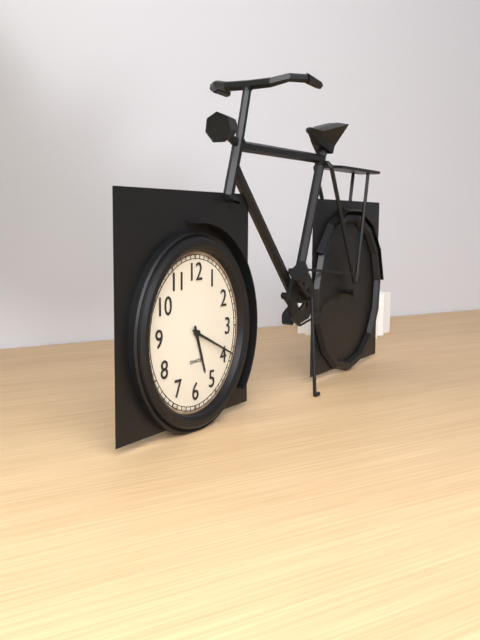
{"hour": 5, "minute": 19}
